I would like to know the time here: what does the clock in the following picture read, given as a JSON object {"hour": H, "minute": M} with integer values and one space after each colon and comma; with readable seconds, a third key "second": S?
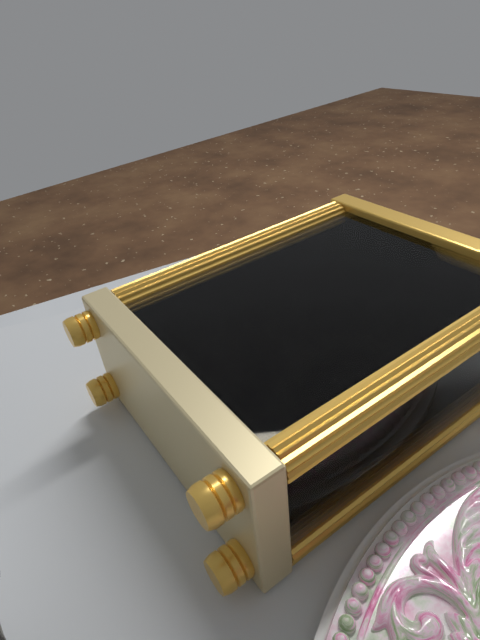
{"hour": 9, "minute": 50}
